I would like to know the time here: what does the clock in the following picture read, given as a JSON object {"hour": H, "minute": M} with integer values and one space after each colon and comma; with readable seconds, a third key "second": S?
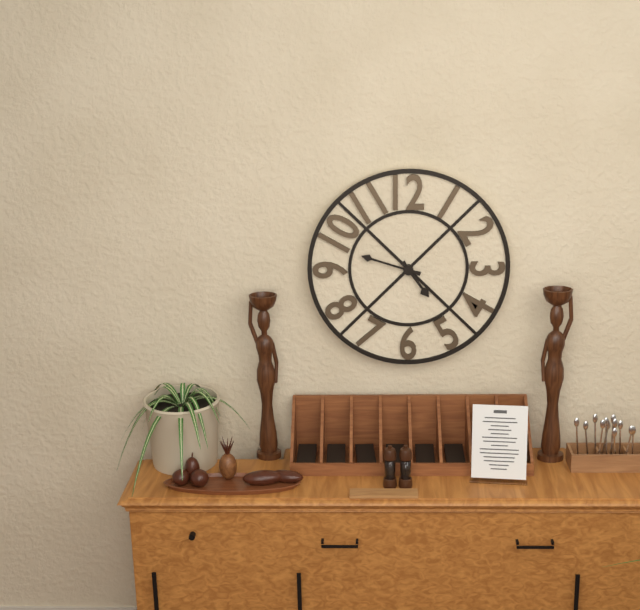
{"hour": 4, "minute": 48}
